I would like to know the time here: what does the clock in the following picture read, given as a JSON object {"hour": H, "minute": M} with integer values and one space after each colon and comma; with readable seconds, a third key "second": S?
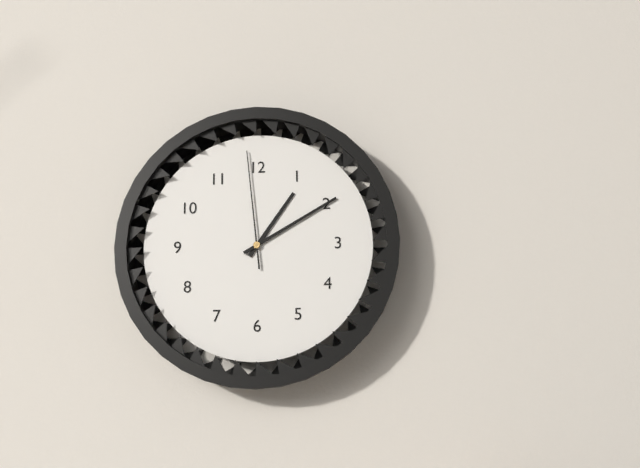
{"hour": 1, "minute": 10, "second": 59}
